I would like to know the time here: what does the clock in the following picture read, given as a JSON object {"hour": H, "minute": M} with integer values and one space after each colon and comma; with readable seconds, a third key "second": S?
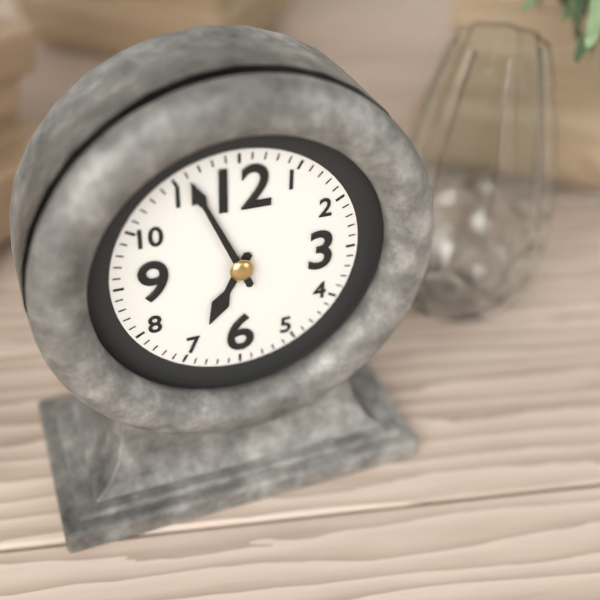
{"hour": 6, "minute": 56}
